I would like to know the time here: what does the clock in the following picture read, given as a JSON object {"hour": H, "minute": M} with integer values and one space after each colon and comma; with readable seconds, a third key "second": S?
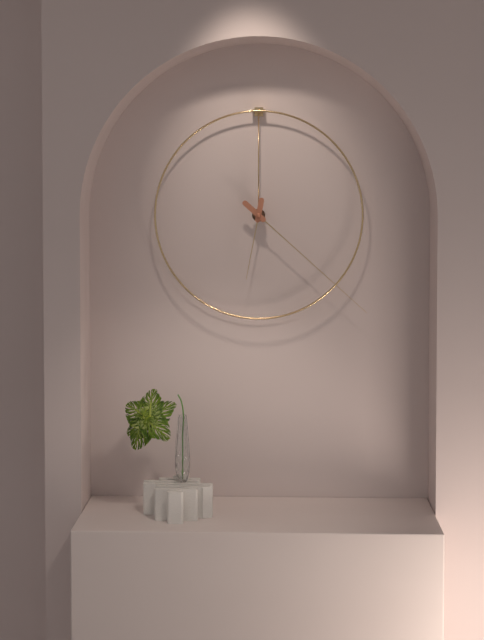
{"hour": 6, "minute": 22}
